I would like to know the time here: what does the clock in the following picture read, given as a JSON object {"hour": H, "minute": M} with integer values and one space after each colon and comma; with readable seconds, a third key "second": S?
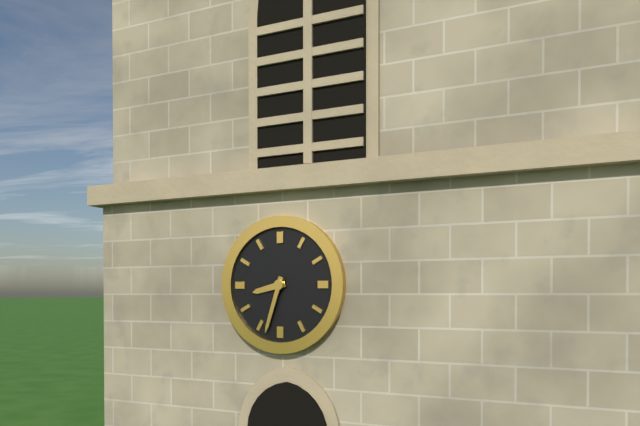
{"hour": 8, "minute": 33}
